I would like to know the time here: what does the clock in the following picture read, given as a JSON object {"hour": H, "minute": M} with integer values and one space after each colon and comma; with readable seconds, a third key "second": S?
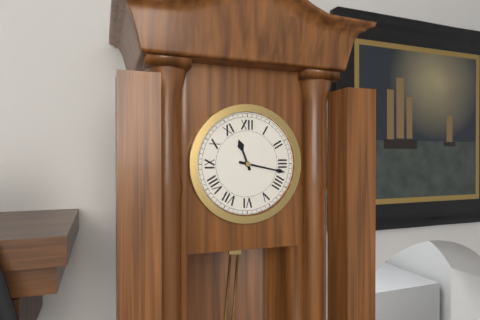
{"hour": 11, "minute": 17}
